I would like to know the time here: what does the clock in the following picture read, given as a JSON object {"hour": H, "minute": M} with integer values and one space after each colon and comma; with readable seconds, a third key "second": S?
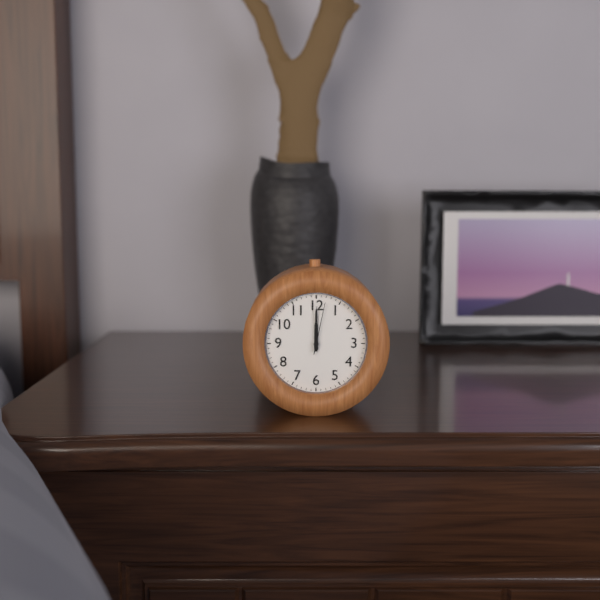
{"hour": 12, "minute": 0, "second": 2}
